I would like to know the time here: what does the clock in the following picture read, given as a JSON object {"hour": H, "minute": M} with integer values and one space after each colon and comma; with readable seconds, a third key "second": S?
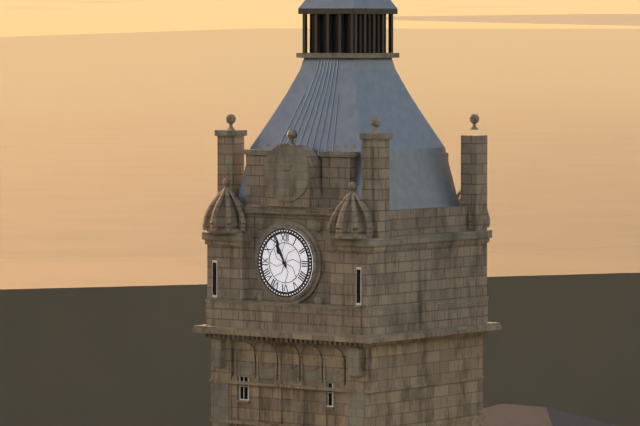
{"hour": 10, "minute": 56}
